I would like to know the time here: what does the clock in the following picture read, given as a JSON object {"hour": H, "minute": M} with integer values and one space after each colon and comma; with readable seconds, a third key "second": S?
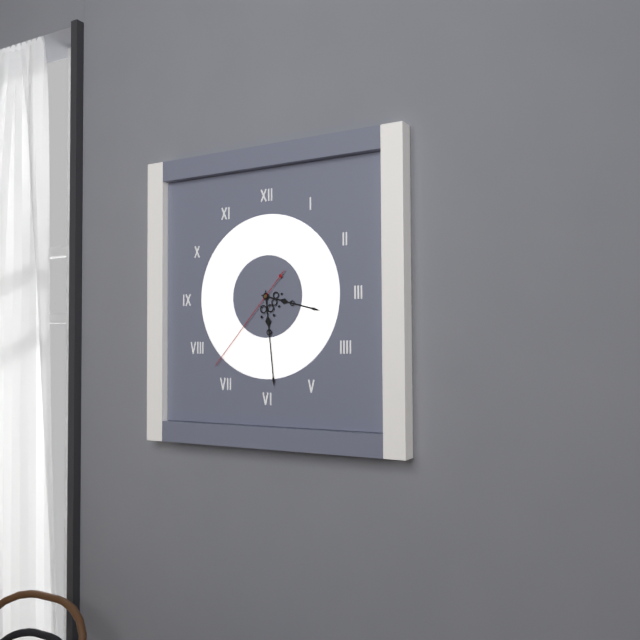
{"hour": 3, "minute": 29, "second": 37}
